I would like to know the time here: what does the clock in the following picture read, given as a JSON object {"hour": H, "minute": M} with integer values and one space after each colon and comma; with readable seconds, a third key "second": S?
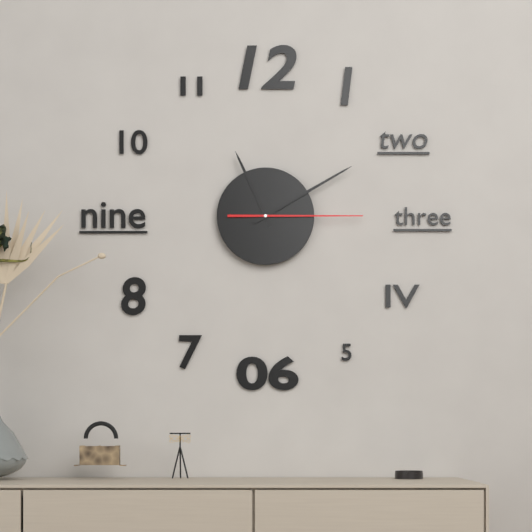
{"hour": 11, "minute": 10, "second": 15}
